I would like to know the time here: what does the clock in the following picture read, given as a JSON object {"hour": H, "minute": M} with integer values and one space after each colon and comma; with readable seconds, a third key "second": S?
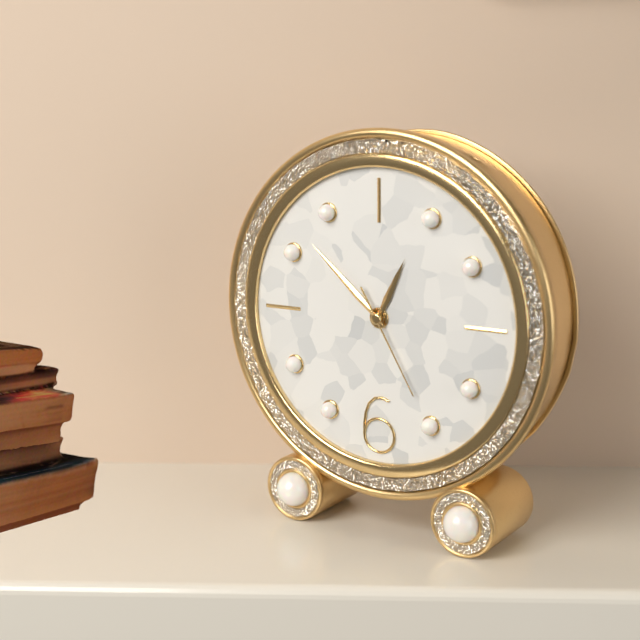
{"hour": 12, "minute": 52, "second": 25}
